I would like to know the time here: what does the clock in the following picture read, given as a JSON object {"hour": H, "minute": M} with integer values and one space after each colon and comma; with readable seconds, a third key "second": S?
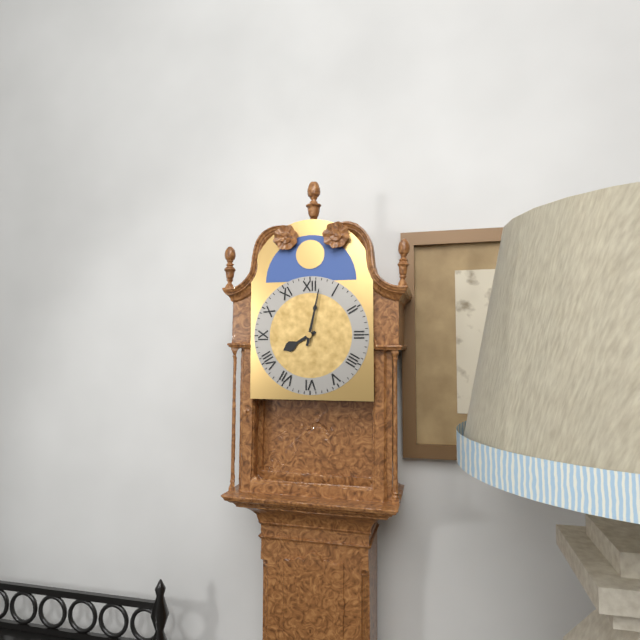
{"hour": 8, "minute": 2}
